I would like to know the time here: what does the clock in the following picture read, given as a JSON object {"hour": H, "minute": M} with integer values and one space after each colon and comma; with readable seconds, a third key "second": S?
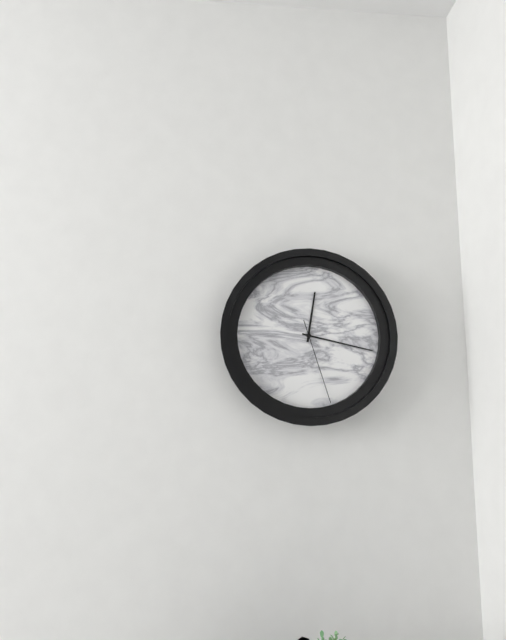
{"hour": 12, "minute": 17, "second": 27}
